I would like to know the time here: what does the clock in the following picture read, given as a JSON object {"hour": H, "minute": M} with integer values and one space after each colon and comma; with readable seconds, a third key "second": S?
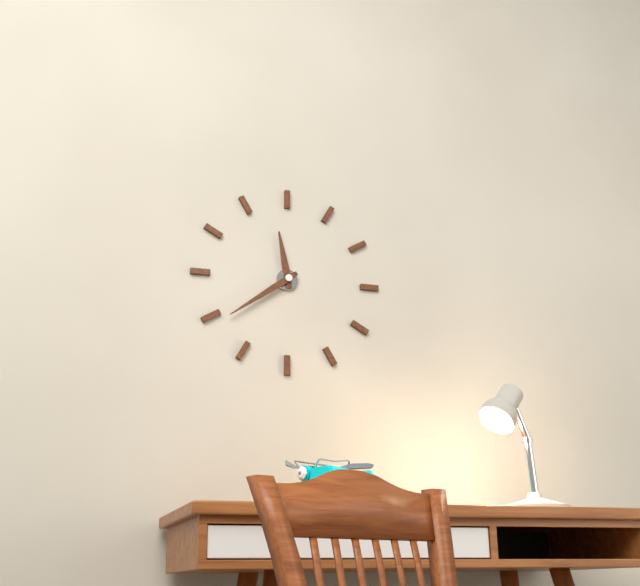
{"hour": 11, "minute": 39}
